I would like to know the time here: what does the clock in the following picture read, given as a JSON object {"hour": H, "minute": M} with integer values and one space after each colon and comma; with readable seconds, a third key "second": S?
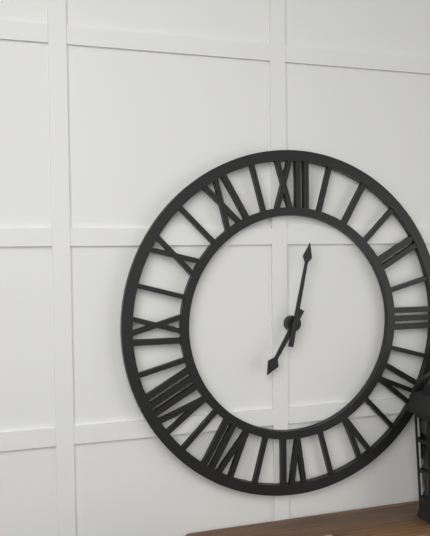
{"hour": 7, "minute": 2}
